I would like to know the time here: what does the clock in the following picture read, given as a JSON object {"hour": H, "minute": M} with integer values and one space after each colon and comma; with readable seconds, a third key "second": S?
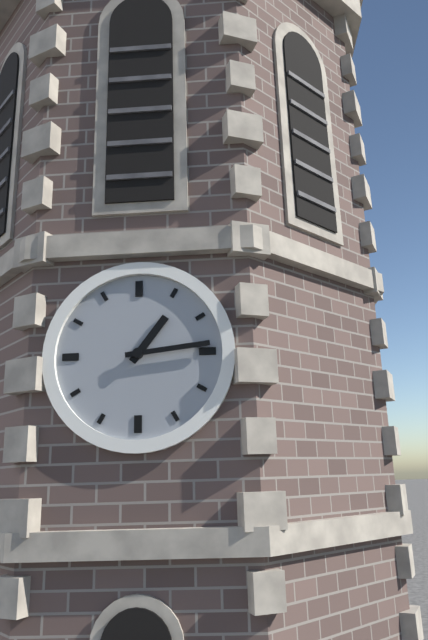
{"hour": 1, "minute": 14}
